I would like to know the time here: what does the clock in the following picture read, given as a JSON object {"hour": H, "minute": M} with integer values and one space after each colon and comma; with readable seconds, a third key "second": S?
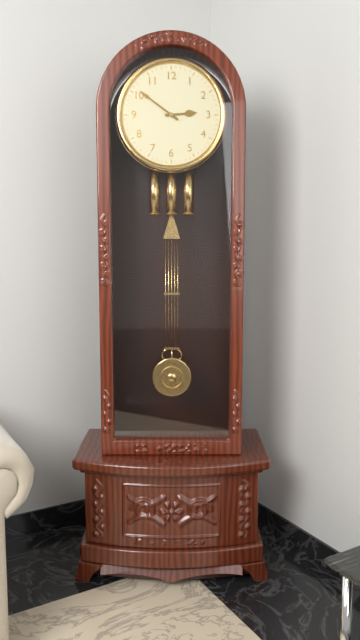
{"hour": 2, "minute": 51}
